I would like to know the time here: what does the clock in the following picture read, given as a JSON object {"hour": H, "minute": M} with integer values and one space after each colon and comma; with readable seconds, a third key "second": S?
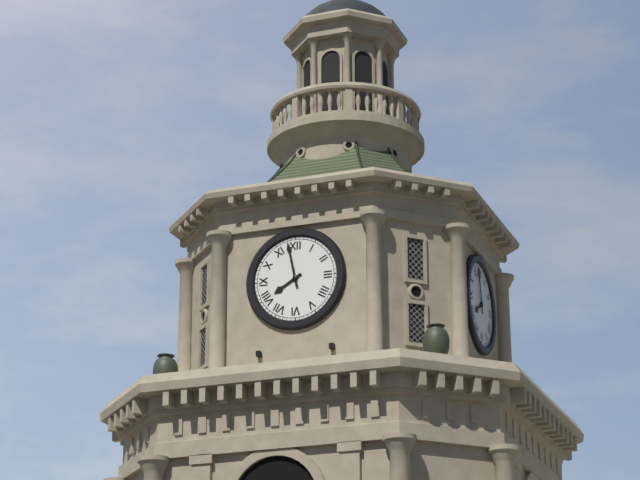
{"hour": 7, "minute": 58}
